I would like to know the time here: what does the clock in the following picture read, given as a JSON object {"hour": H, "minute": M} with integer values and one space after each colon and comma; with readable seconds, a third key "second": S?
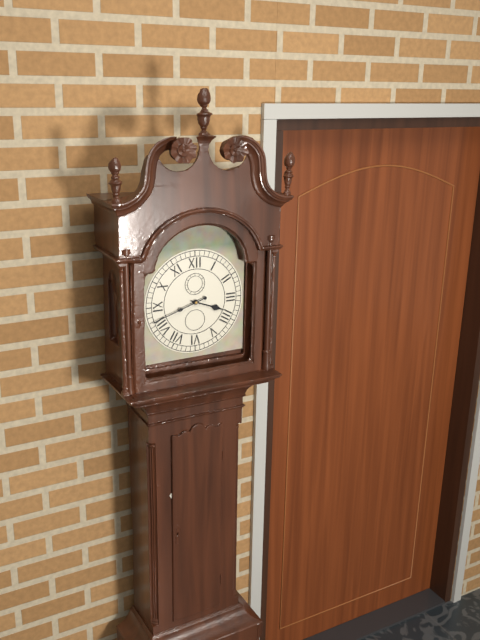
{"hour": 3, "minute": 42}
